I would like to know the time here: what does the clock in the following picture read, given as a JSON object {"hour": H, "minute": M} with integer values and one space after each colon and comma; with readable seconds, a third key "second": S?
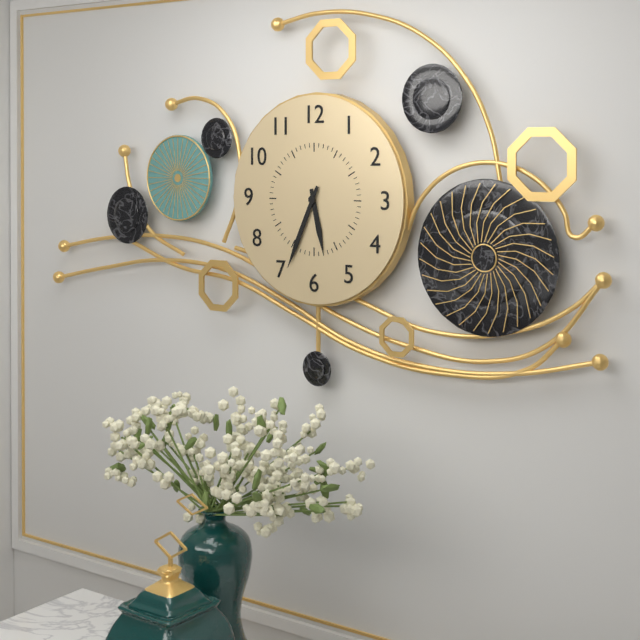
{"hour": 5, "minute": 34}
